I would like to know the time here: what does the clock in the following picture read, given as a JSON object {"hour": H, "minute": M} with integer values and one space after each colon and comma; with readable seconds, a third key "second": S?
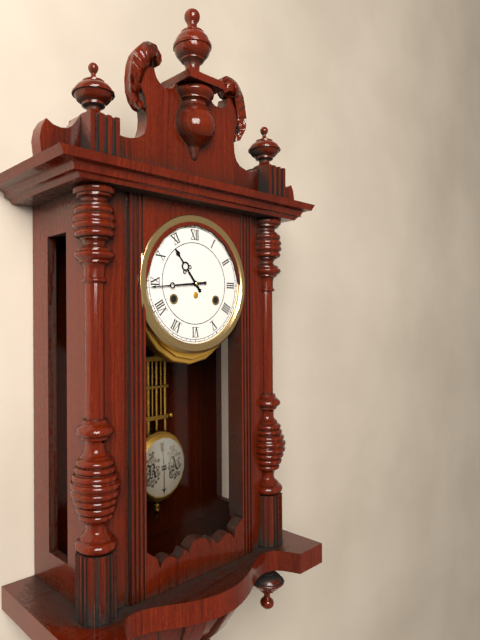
{"hour": 10, "minute": 44}
